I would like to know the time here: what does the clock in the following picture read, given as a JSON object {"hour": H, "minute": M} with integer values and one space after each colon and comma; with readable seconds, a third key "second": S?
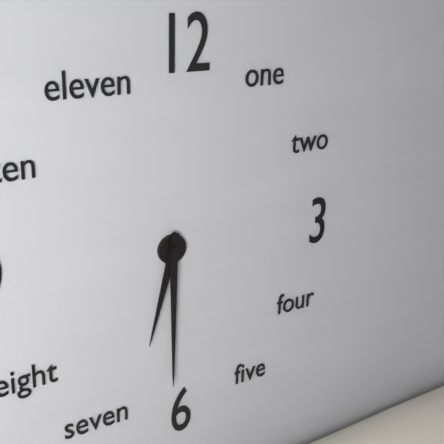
{"hour": 6, "minute": 30}
